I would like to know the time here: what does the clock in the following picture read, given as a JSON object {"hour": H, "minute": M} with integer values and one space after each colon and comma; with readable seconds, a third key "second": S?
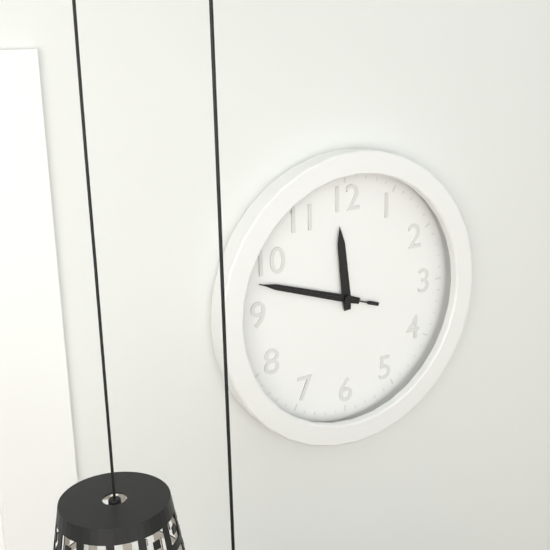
{"hour": 11, "minute": 48, "second": 48}
